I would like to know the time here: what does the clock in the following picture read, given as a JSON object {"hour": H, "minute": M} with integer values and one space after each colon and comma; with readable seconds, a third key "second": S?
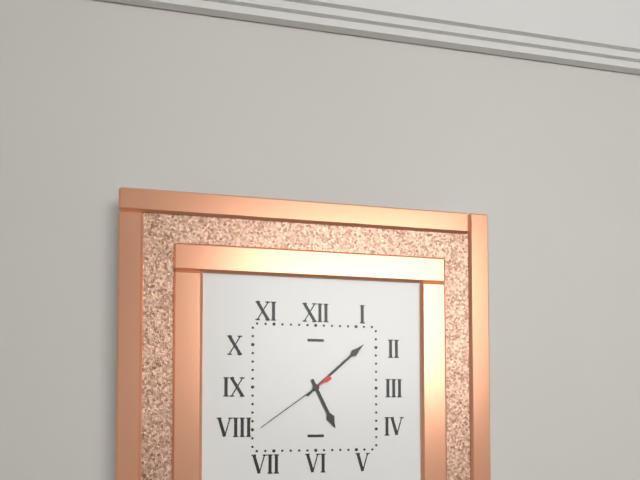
{"hour": 5, "minute": 8, "second": 39}
